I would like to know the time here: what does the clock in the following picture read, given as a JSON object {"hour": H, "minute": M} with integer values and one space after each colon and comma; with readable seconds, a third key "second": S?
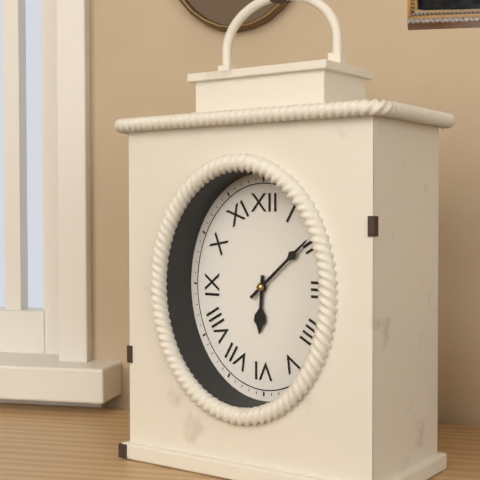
{"hour": 6, "minute": 8}
